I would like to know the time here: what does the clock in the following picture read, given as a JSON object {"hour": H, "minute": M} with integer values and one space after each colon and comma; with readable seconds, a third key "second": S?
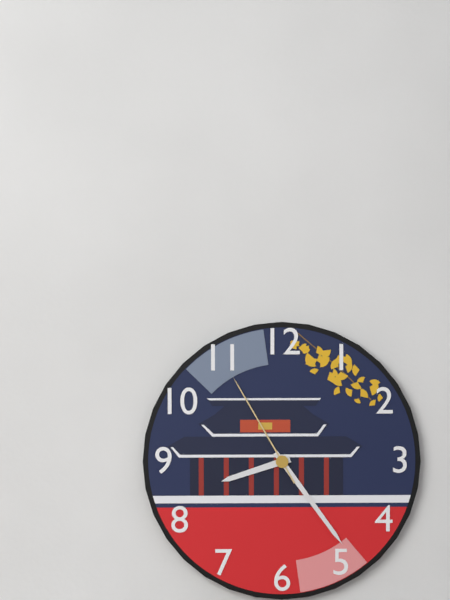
{"hour": 8, "minute": 24, "second": 55}
